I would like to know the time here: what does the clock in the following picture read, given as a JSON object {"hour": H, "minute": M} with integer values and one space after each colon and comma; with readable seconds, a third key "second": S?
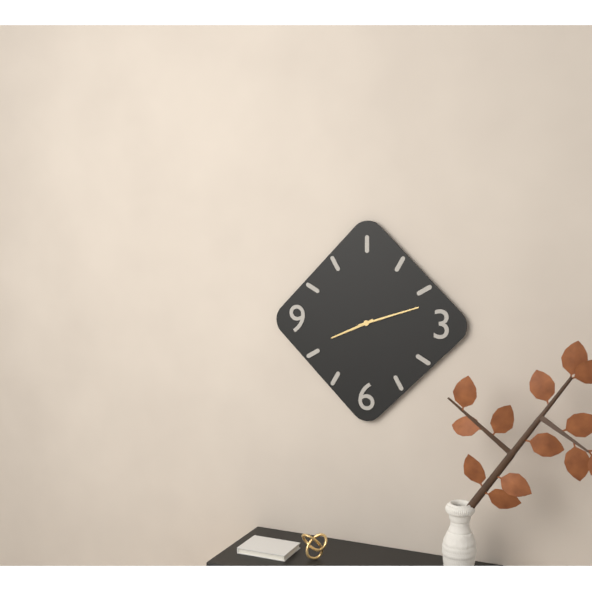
{"hour": 8, "minute": 12}
